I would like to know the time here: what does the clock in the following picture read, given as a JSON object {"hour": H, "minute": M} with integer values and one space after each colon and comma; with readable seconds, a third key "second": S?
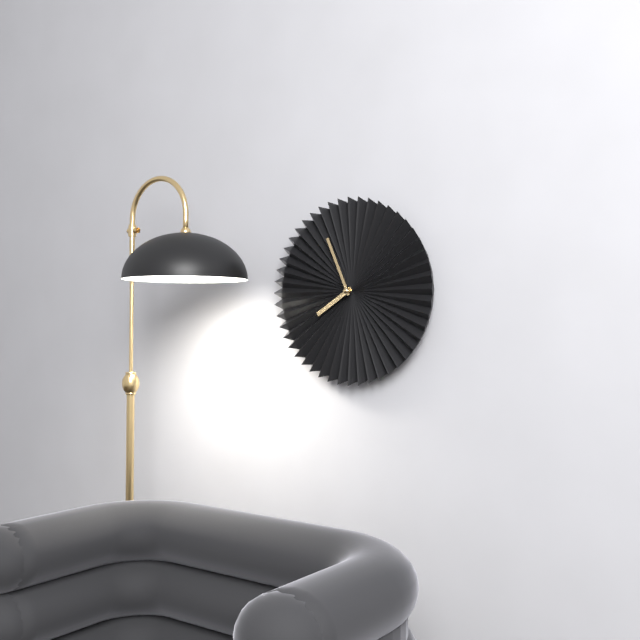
{"hour": 7, "minute": 56}
